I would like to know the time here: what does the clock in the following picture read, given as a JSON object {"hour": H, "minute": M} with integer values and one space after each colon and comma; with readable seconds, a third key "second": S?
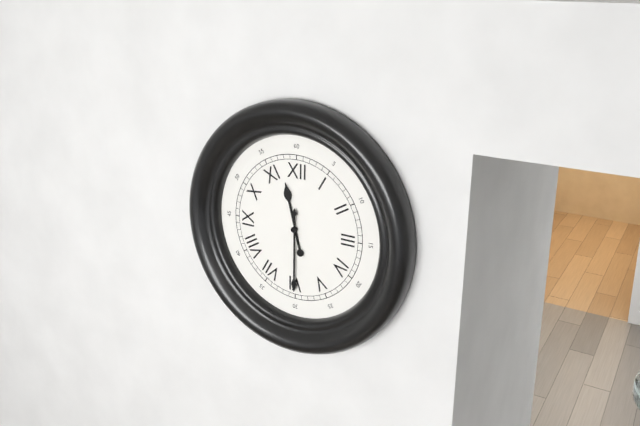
{"hour": 11, "minute": 30}
